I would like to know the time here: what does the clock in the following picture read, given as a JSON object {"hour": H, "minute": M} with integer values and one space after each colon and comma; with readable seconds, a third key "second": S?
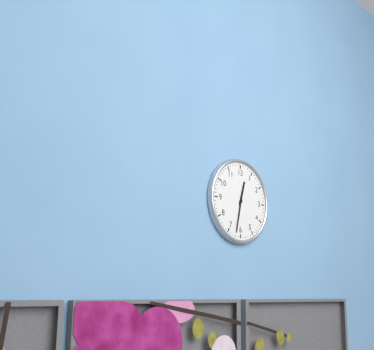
{"hour": 12, "minute": 32}
